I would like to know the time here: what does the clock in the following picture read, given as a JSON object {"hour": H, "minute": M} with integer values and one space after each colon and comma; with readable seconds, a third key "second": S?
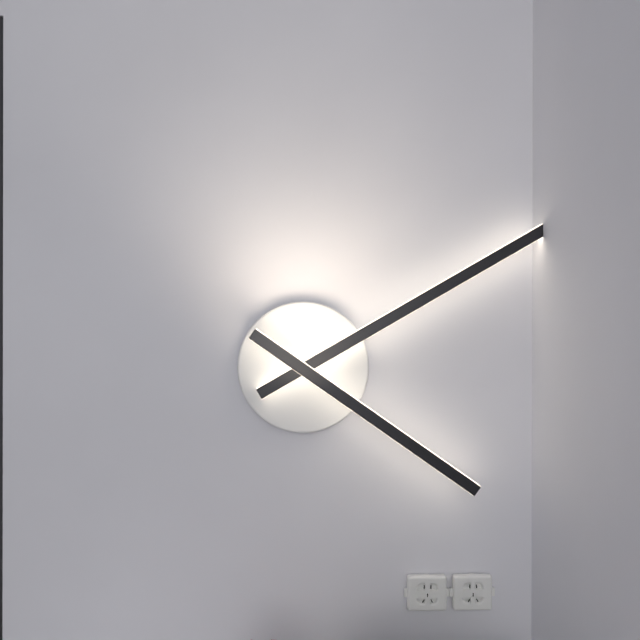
{"hour": 4, "minute": 10}
